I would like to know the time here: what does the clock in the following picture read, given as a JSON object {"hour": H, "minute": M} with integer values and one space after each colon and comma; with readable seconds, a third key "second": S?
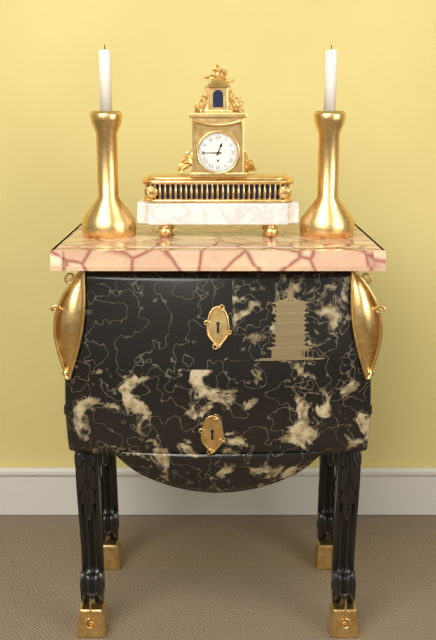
{"hour": 12, "minute": 45}
